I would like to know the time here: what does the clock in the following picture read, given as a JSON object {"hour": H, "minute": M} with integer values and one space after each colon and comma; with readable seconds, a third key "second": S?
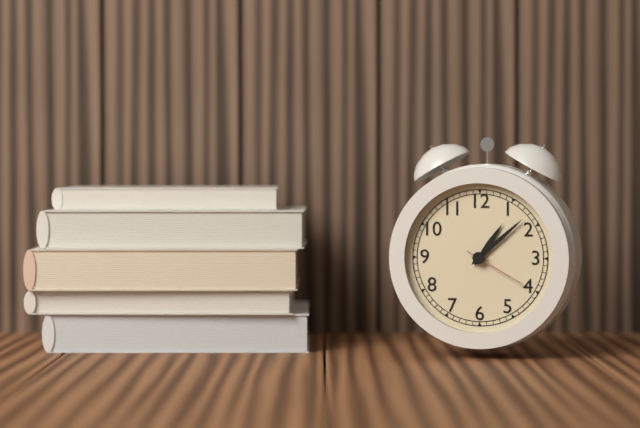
{"hour": 1, "minute": 8, "second": 20}
